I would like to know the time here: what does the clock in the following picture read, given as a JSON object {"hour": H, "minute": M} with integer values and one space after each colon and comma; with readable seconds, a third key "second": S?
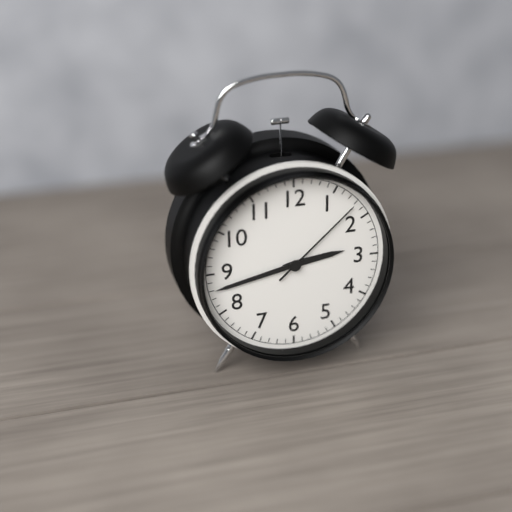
{"hour": 2, "minute": 43, "second": 8}
